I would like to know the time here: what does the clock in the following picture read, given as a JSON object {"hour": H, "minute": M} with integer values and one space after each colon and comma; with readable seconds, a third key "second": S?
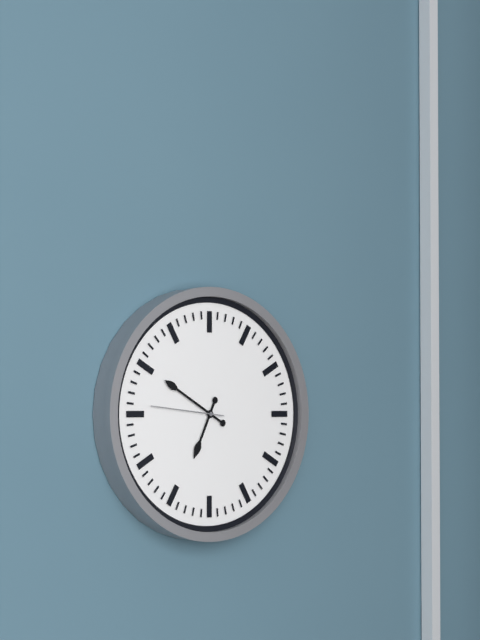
{"hour": 6, "minute": 50, "second": 46}
